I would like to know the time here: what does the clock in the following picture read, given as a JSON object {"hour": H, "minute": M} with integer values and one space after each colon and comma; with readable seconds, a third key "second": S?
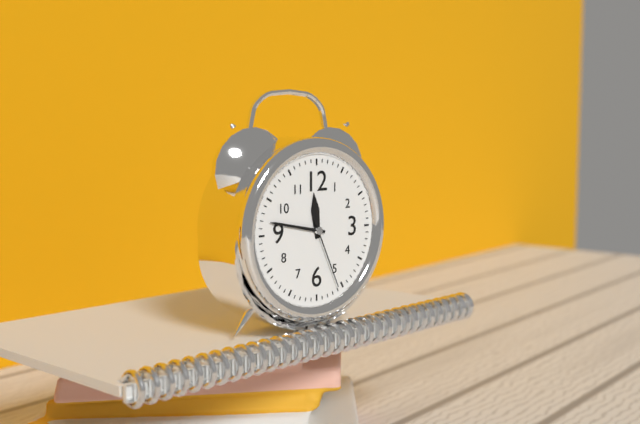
{"hour": 11, "minute": 47, "second": 26}
